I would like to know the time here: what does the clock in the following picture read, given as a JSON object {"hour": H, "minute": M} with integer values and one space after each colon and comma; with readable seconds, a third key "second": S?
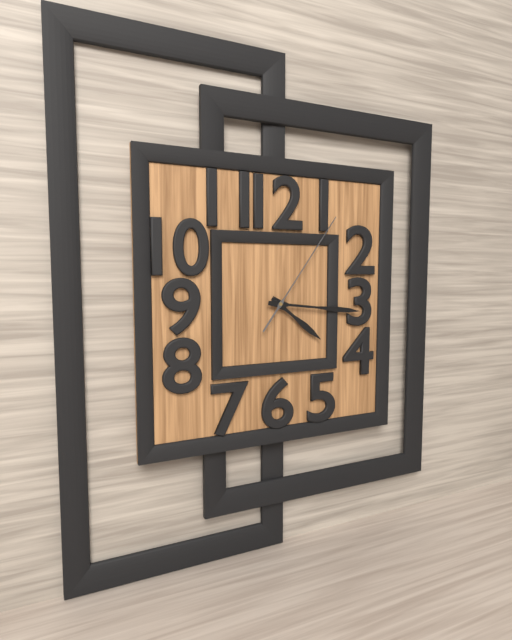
{"hour": 4, "minute": 16, "second": 6}
